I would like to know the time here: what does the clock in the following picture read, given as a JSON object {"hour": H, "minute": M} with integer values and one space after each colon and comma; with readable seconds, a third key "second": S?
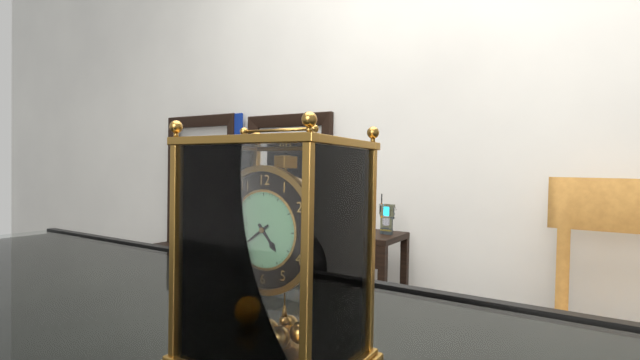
{"hour": 4, "minute": 39}
